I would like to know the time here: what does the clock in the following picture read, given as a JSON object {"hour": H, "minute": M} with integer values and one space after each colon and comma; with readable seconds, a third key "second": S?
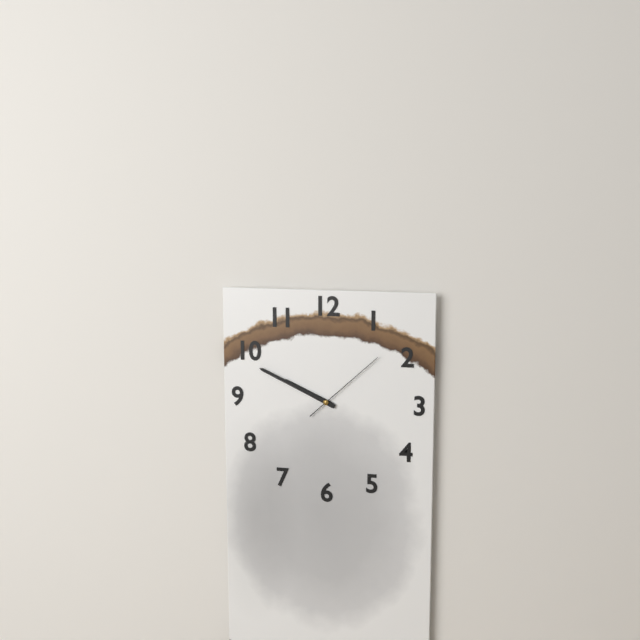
{"hour": 9, "minute": 49, "second": 8}
